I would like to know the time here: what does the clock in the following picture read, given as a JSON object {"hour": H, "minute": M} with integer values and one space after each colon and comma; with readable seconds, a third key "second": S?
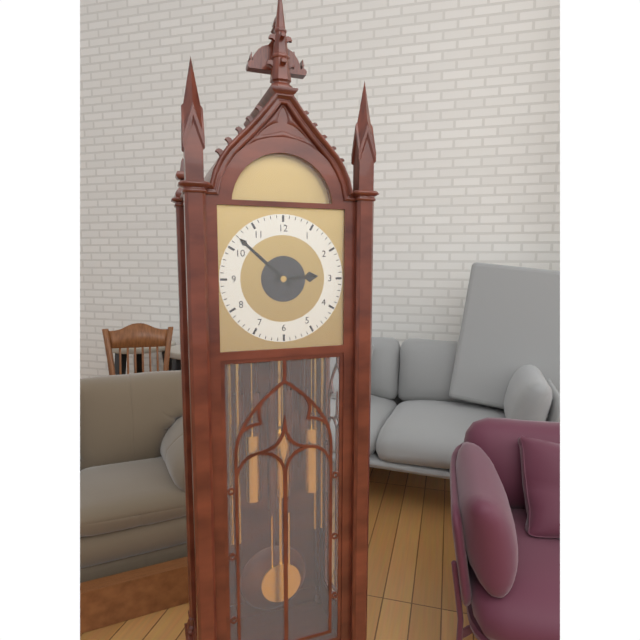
{"hour": 2, "minute": 52}
